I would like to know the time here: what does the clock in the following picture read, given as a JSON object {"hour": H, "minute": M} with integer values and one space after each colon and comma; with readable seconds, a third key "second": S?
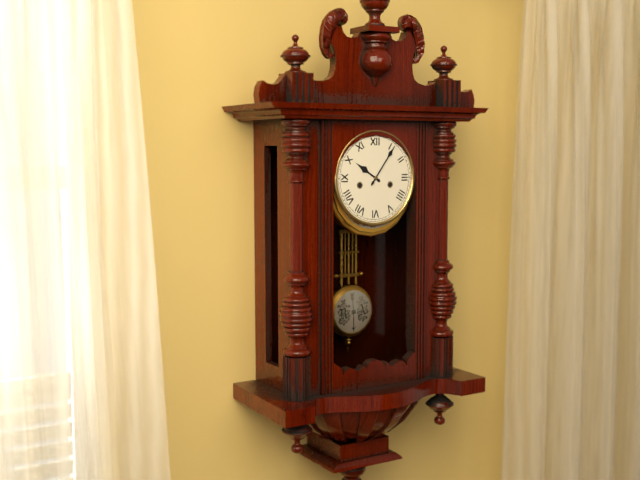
{"hour": 10, "minute": 6}
